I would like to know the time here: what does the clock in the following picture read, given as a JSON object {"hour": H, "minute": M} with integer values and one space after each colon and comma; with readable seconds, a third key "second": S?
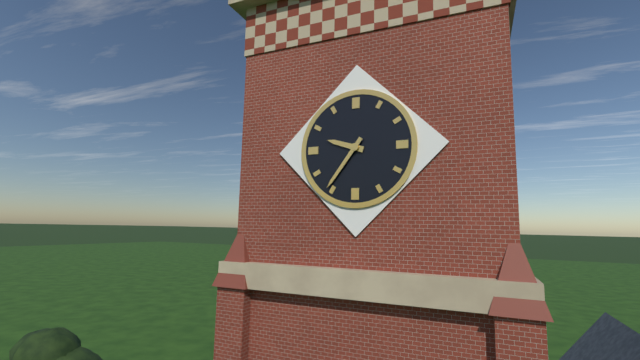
{"hour": 9, "minute": 36}
